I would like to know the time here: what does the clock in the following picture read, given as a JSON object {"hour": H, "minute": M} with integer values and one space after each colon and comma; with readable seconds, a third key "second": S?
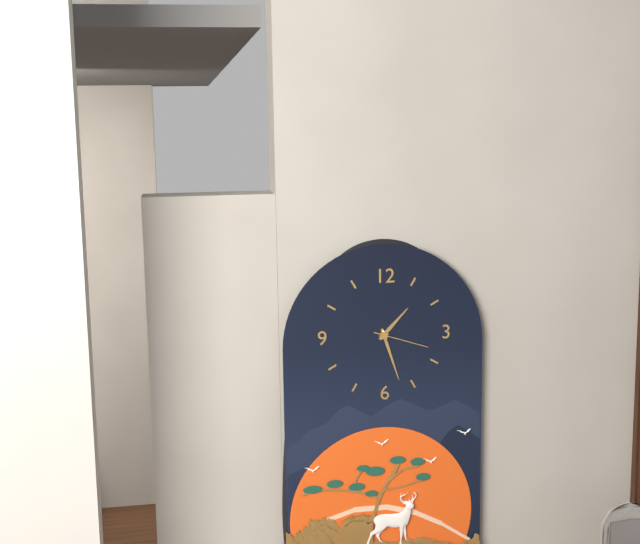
{"hour": 1, "minute": 27, "second": 18}
